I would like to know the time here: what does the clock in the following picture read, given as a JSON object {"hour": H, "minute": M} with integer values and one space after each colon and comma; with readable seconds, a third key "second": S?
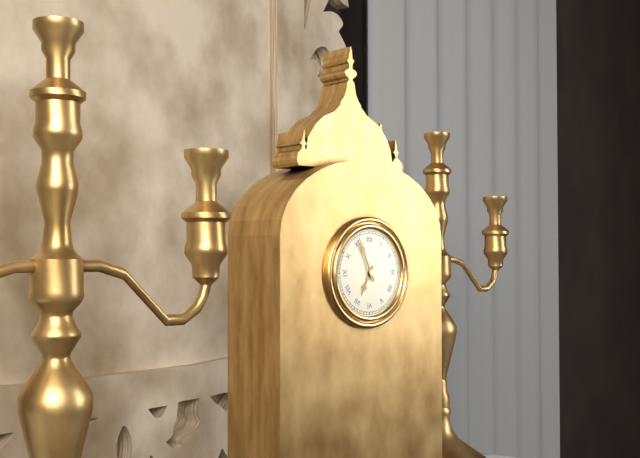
{"hour": 6, "minute": 56}
